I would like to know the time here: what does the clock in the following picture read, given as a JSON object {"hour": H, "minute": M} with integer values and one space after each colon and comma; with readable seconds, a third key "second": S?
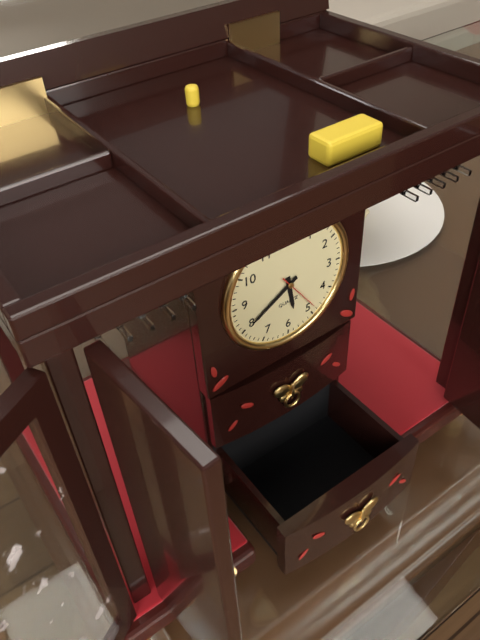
{"hour": 5, "minute": 40}
